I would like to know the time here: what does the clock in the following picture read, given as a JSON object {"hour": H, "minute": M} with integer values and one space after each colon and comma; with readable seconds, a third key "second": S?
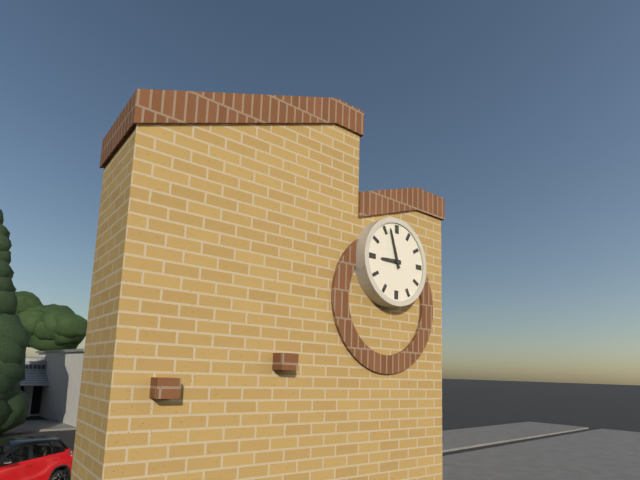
{"hour": 8, "minute": 57}
